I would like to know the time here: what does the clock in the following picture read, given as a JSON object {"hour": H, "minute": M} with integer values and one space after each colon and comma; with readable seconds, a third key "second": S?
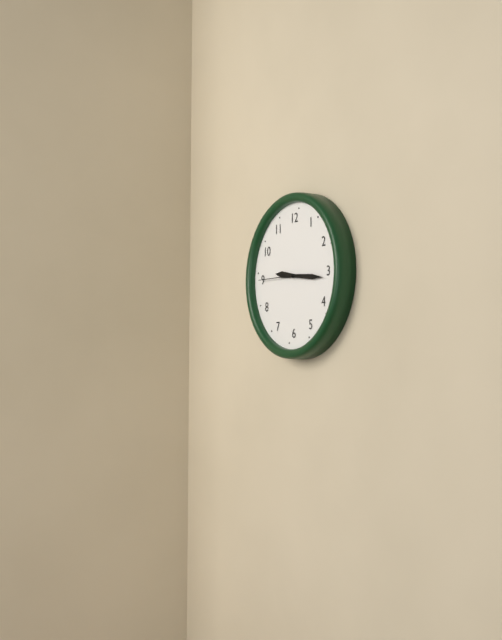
{"hour": 9, "minute": 16, "second": 45}
